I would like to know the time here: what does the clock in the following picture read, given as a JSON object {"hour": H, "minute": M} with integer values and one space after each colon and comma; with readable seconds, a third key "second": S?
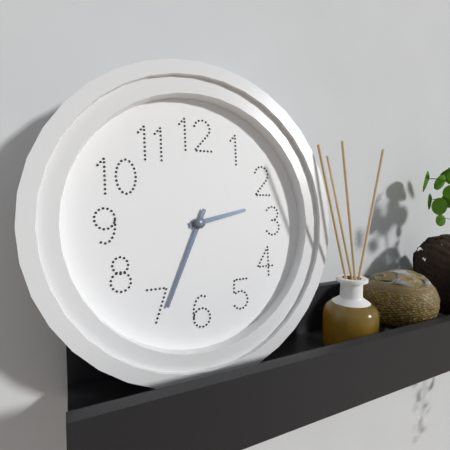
{"hour": 2, "minute": 34}
